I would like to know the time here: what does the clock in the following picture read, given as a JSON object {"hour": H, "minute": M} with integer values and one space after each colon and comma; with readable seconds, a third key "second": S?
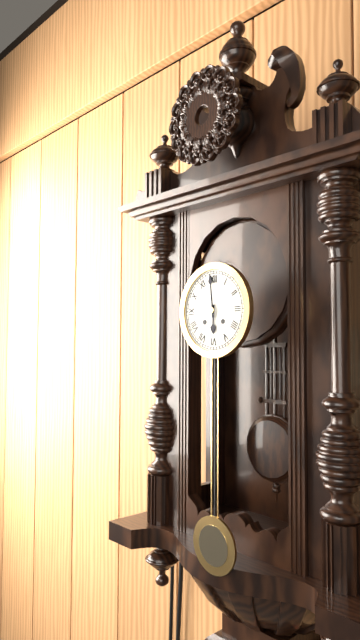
{"hour": 5, "minute": 59}
